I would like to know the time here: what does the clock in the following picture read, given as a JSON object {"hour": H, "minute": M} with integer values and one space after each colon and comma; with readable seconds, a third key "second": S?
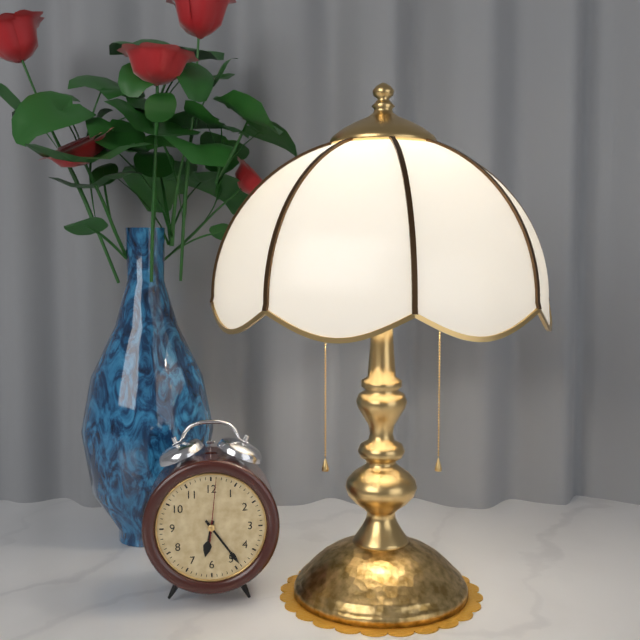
{"hour": 6, "minute": 24, "second": 1}
